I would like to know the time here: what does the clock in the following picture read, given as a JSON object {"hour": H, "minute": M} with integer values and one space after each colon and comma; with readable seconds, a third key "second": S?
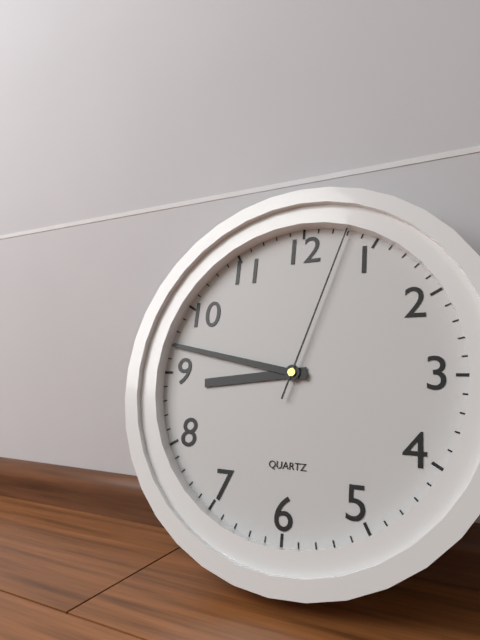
{"hour": 8, "minute": 47, "second": 3}
